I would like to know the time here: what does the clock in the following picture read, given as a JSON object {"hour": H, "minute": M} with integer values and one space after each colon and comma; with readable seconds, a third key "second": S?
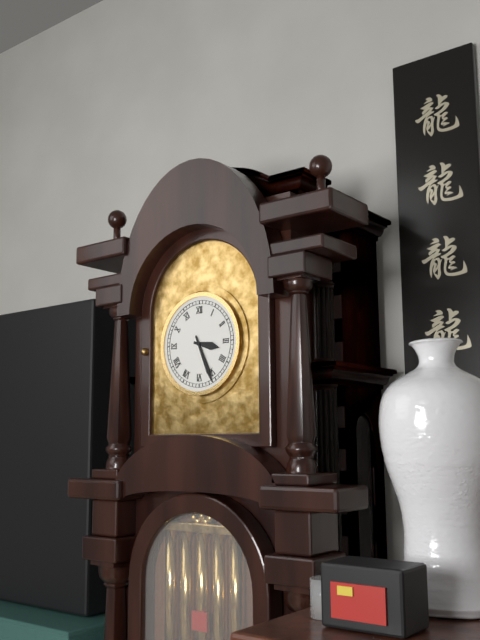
{"hour": 3, "minute": 26}
